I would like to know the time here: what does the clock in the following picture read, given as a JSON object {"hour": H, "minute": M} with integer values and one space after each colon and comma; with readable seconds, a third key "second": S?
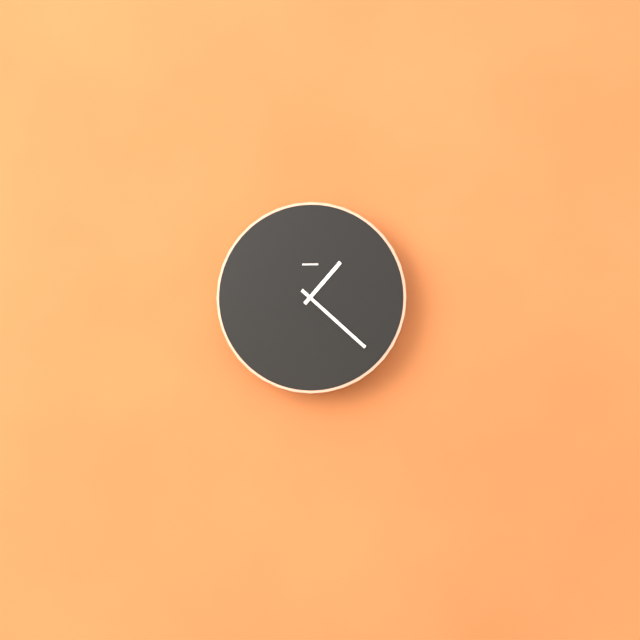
{"hour": 1, "minute": 22}
